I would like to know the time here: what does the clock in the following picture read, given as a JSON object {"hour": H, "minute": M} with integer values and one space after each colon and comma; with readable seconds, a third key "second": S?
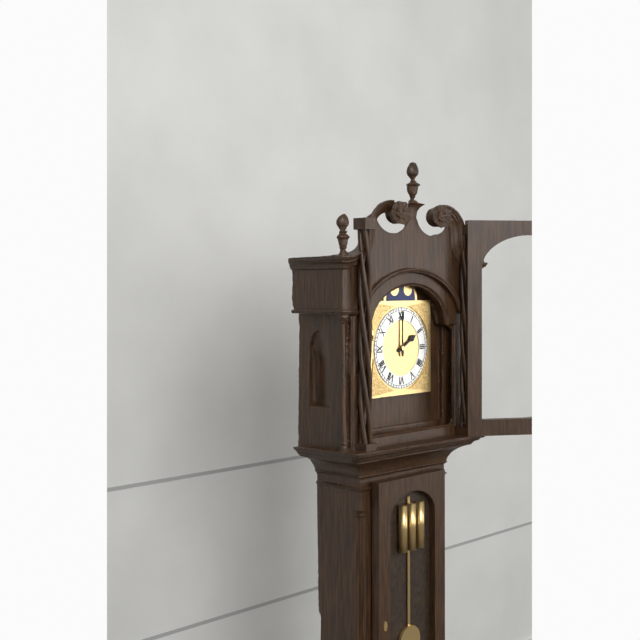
{"hour": 2, "minute": 0}
